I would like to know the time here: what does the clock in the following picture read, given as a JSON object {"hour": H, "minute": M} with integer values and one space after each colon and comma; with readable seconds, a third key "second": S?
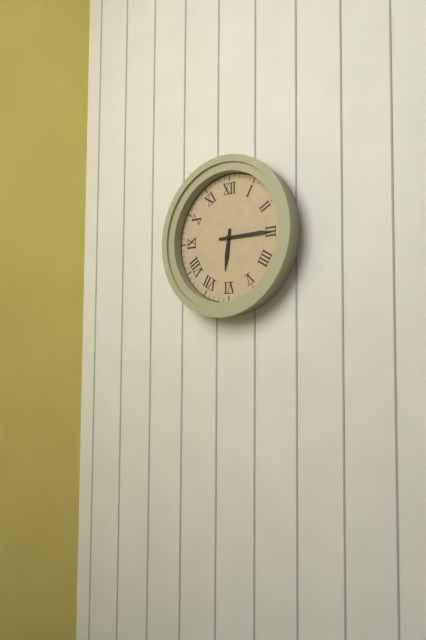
{"hour": 6, "minute": 15}
